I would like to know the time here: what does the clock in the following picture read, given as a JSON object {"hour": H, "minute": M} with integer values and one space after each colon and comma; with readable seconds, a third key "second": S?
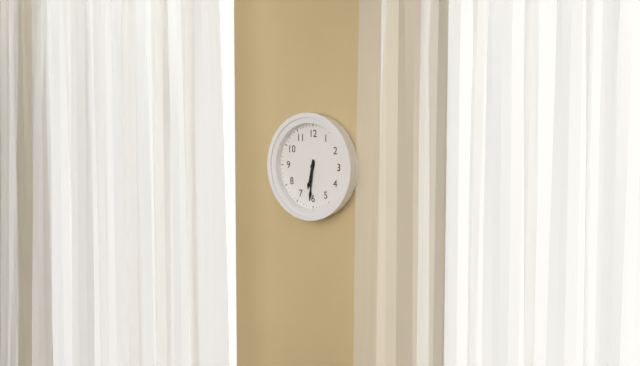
{"hour": 6, "minute": 31}
